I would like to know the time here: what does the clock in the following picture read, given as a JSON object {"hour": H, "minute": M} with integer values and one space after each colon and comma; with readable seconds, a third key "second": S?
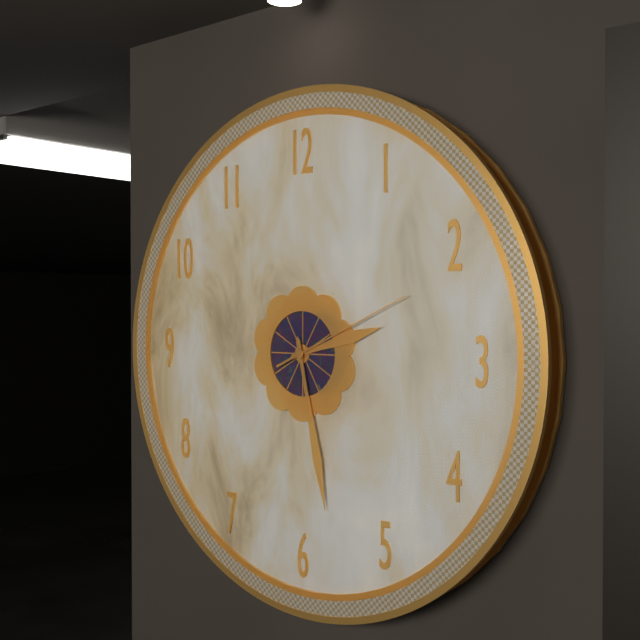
{"hour": 2, "minute": 28, "second": 11}
